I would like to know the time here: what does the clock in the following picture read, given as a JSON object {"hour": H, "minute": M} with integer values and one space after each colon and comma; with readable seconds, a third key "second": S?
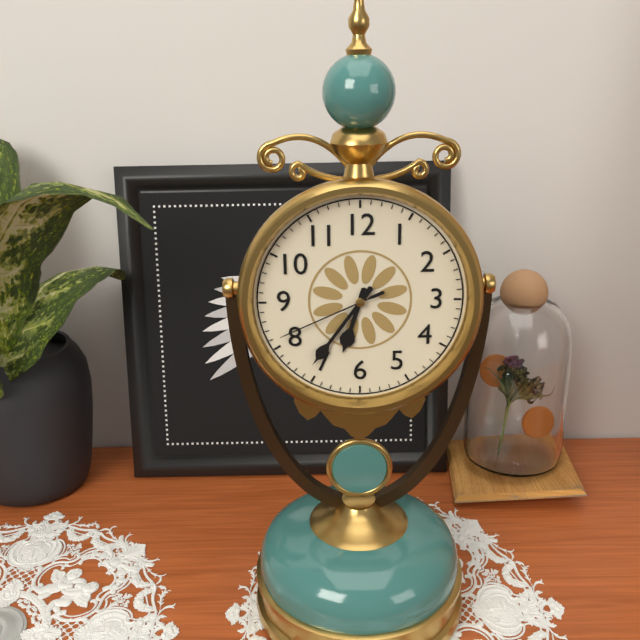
{"hour": 6, "minute": 36, "second": 41}
